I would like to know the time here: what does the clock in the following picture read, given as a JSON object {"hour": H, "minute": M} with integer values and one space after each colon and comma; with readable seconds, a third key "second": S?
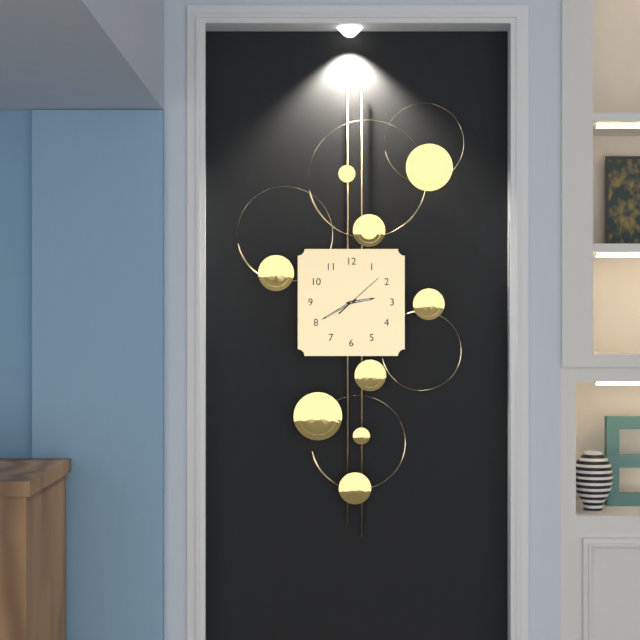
{"hour": 2, "minute": 40}
